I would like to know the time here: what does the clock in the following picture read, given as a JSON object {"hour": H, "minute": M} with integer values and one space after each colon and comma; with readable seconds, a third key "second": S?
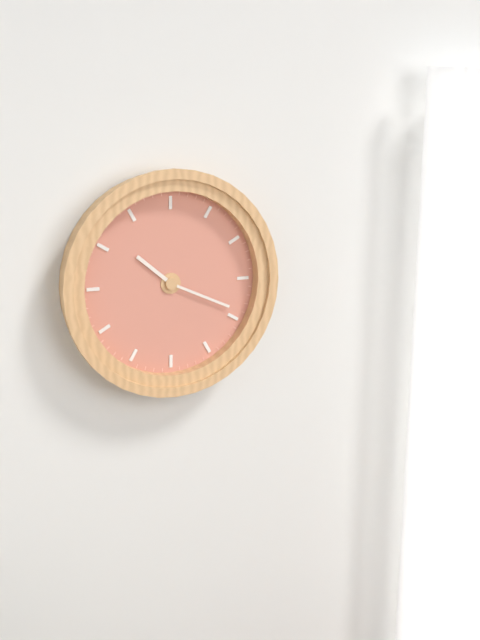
{"hour": 10, "minute": 19}
